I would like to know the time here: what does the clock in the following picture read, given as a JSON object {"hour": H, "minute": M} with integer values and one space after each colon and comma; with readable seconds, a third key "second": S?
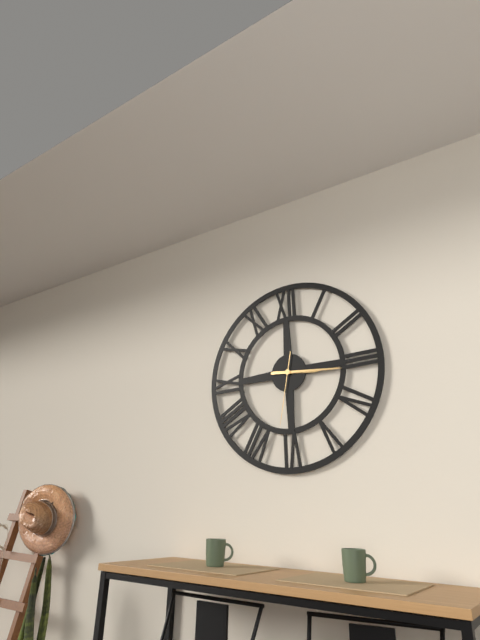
{"hour": 3, "minute": 16, "second": 32}
